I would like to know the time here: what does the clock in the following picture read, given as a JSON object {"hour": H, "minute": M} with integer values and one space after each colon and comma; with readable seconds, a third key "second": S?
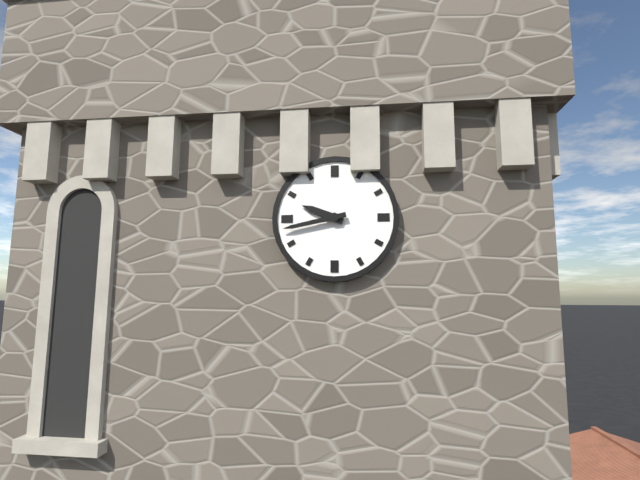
{"hour": 9, "minute": 43}
